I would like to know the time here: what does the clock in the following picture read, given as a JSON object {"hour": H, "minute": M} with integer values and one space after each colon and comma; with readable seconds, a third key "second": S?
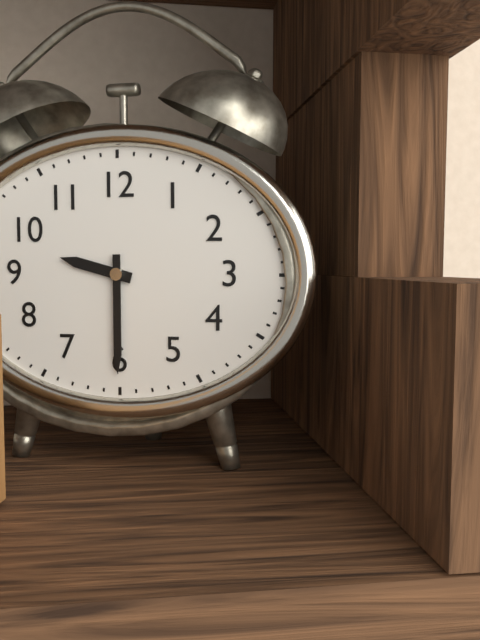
{"hour": 9, "minute": 30}
